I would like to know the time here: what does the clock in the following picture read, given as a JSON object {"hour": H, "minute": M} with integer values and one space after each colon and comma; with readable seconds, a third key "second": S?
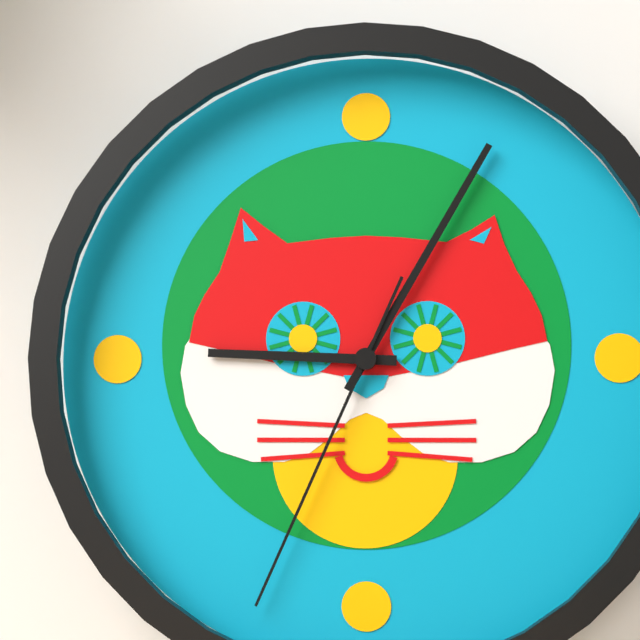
{"hour": 9, "minute": 5, "second": 34}
